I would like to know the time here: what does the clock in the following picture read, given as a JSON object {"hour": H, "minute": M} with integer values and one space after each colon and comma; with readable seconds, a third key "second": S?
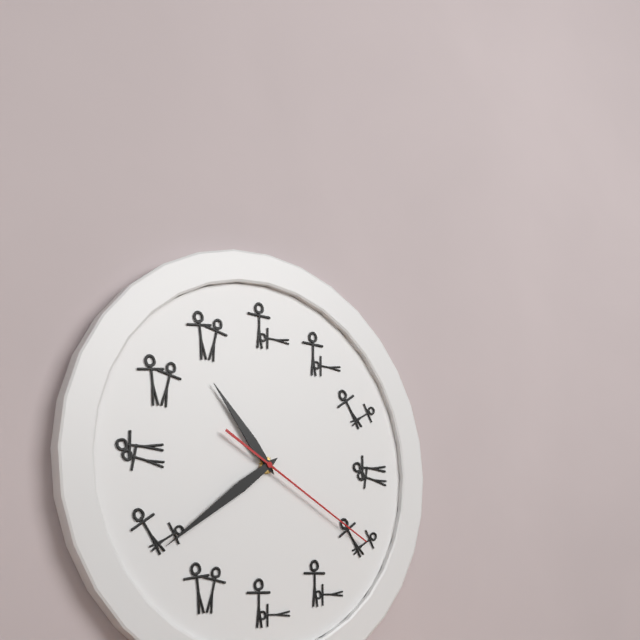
{"hour": 10, "minute": 39, "second": 20}
